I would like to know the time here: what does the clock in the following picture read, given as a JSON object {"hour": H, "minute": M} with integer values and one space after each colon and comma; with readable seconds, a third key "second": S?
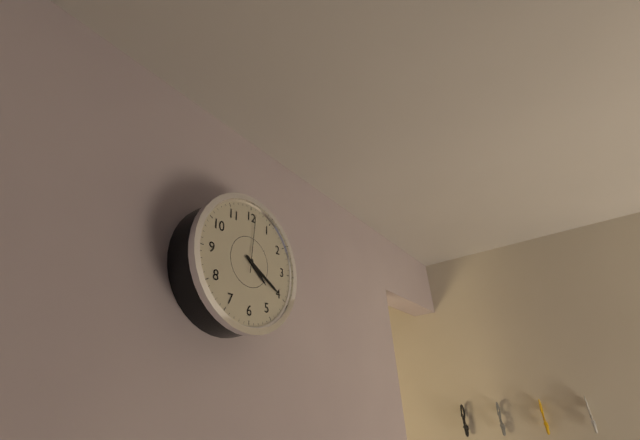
{"hour": 4, "minute": 20, "second": 1}
